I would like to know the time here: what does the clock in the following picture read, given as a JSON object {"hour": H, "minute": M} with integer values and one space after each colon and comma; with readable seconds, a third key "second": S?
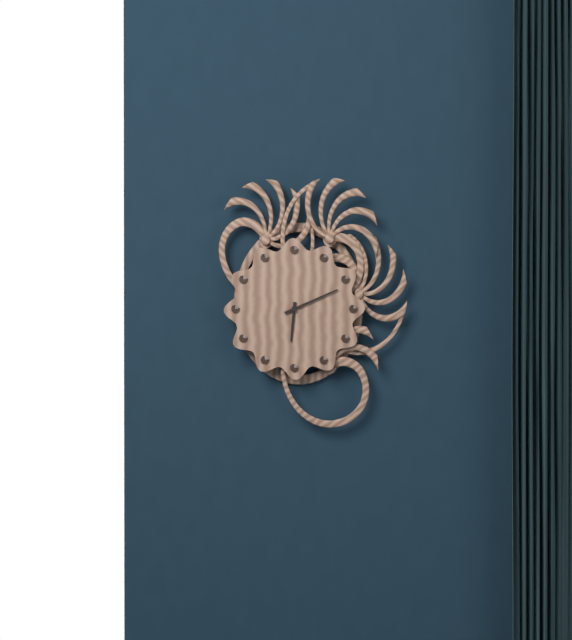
{"hour": 6, "minute": 11}
